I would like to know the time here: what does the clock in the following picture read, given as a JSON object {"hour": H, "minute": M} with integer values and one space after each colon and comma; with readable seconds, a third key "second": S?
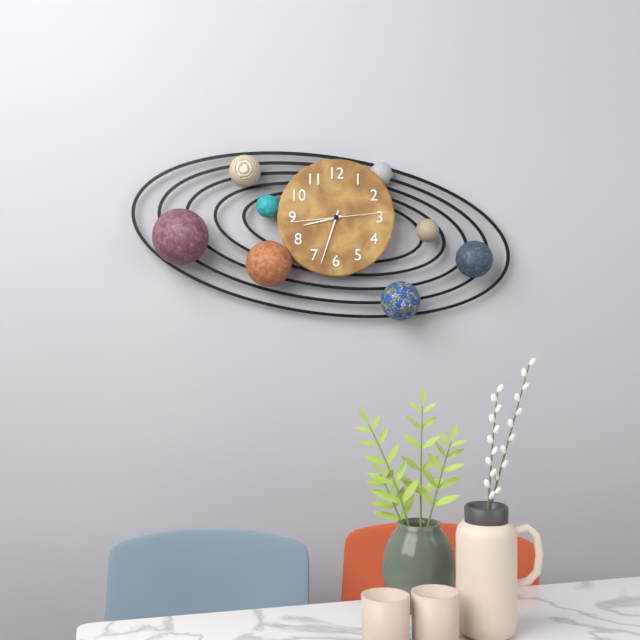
{"hour": 8, "minute": 33, "second": 14}
